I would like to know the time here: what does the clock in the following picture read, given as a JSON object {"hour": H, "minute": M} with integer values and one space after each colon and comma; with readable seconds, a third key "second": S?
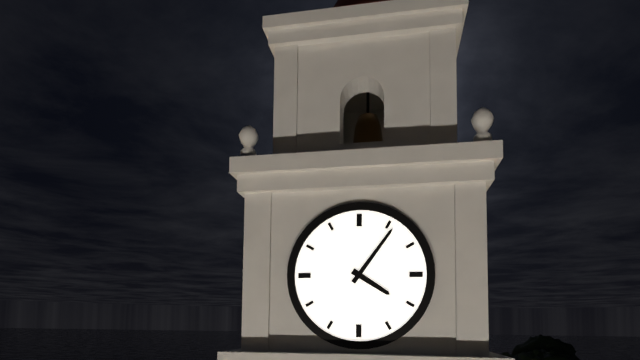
{"hour": 4, "minute": 6}
